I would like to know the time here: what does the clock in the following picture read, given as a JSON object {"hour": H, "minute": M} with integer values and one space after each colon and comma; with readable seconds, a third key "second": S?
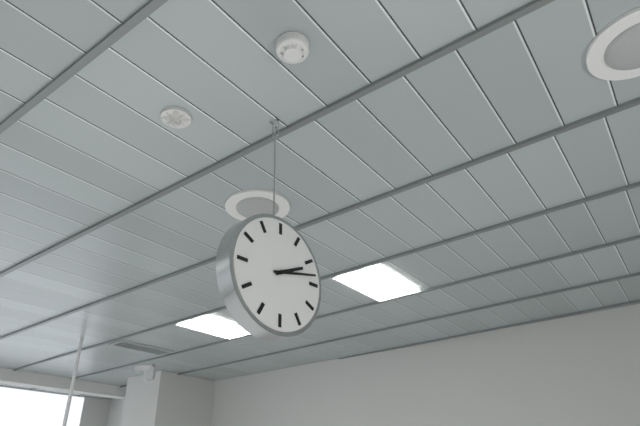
{"hour": 2, "minute": 13}
